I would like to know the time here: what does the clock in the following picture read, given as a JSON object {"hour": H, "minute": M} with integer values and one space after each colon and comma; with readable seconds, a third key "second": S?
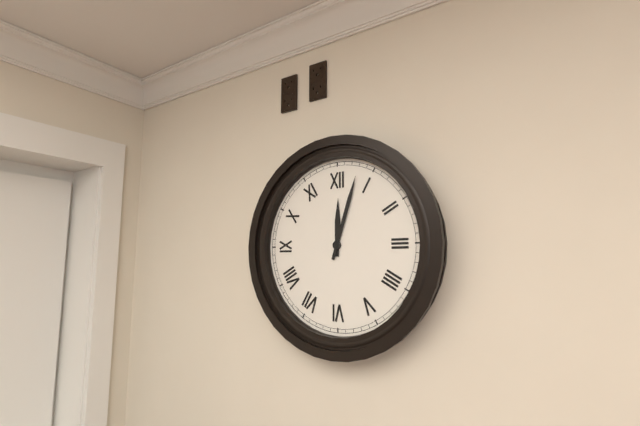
{"hour": 12, "minute": 3}
